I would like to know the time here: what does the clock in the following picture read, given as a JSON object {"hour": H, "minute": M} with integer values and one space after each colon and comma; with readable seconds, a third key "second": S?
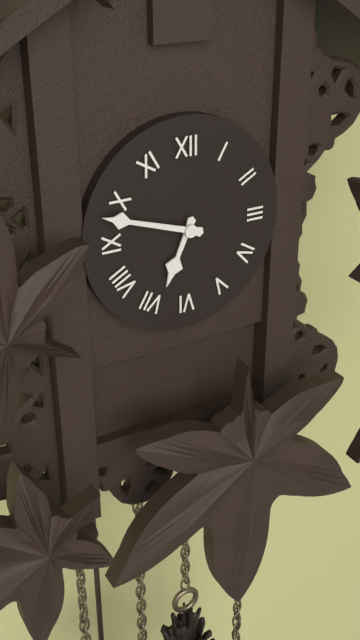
{"hour": 6, "minute": 48}
